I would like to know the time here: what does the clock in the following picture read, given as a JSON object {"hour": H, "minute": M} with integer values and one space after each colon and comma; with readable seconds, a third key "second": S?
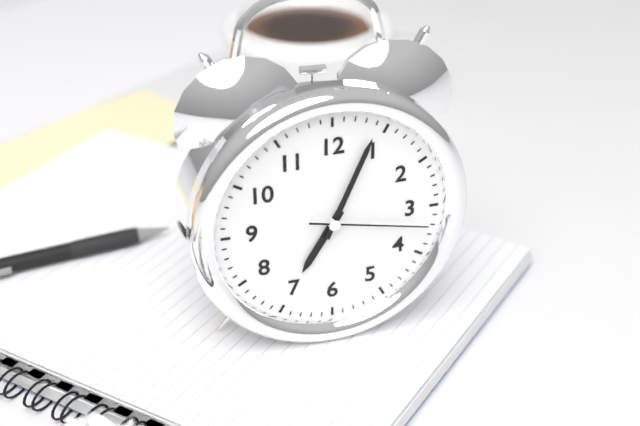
{"hour": 7, "minute": 4, "second": 17}
